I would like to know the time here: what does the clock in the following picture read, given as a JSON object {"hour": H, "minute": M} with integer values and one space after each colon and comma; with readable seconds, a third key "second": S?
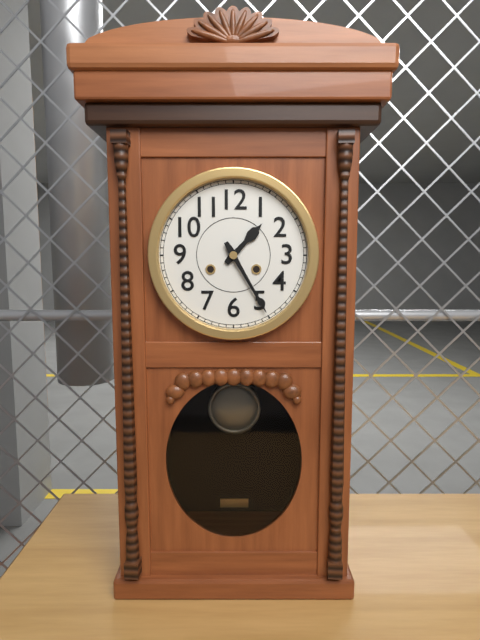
{"hour": 1, "minute": 25}
